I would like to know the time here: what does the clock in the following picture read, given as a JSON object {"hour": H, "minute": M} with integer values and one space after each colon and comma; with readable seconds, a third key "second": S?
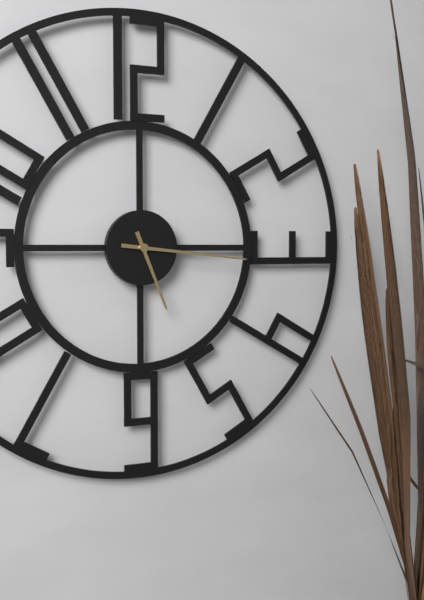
{"hour": 5, "minute": 16}
